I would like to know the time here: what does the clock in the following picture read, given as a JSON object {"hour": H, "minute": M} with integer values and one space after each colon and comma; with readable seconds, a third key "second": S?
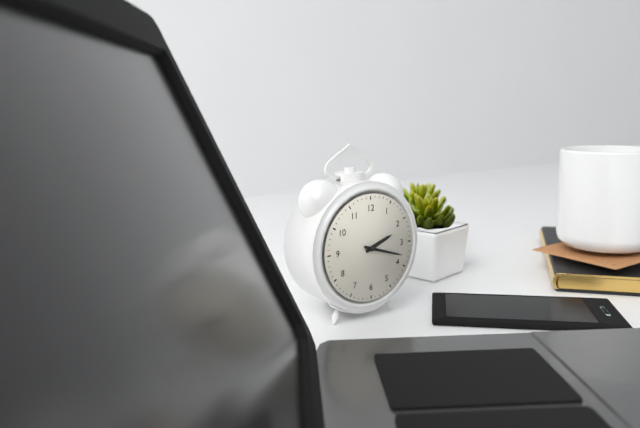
{"hour": 2, "minute": 18}
